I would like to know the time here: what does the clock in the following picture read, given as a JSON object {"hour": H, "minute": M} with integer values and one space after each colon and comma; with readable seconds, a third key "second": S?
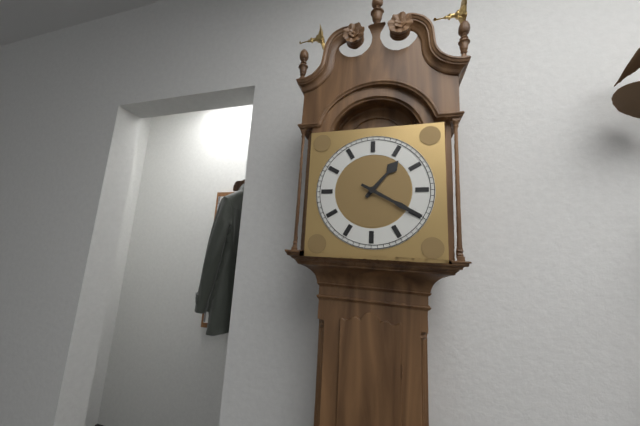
{"hour": 1, "minute": 20}
